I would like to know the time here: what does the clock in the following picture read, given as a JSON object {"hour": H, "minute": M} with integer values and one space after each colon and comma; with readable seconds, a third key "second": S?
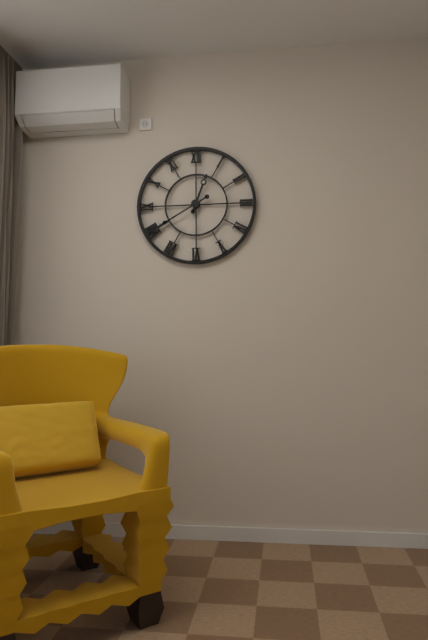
{"hour": 12, "minute": 40}
